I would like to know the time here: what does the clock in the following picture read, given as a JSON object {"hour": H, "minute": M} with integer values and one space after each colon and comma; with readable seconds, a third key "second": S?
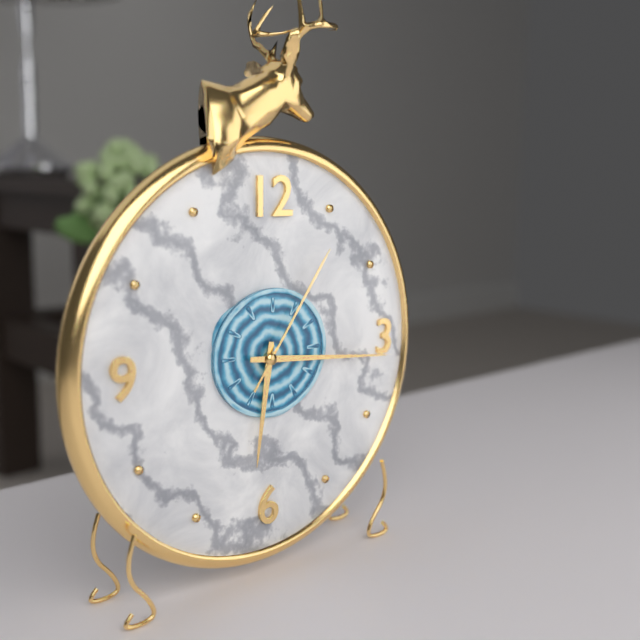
{"hour": 6, "minute": 16, "second": 6}
